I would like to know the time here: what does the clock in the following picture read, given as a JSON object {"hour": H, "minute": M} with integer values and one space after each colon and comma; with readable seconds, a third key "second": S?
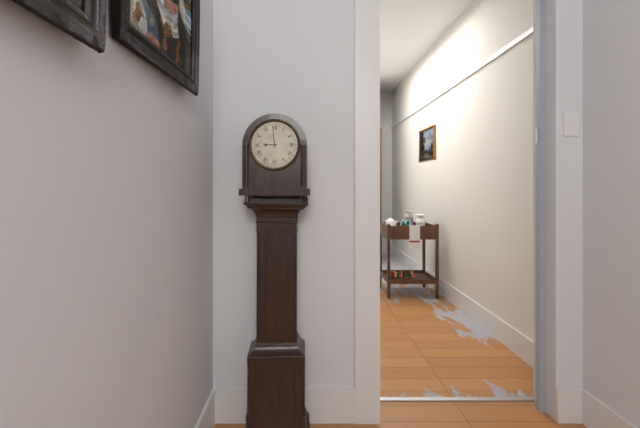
{"hour": 8, "minute": 59}
